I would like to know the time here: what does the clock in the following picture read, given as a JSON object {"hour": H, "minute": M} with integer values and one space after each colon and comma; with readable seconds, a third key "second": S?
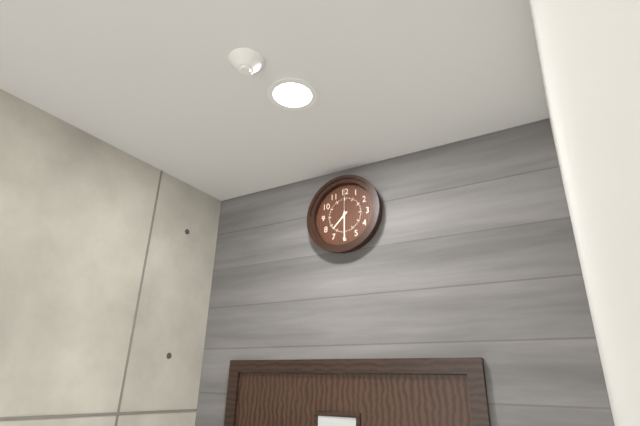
{"hour": 7, "minute": 30}
